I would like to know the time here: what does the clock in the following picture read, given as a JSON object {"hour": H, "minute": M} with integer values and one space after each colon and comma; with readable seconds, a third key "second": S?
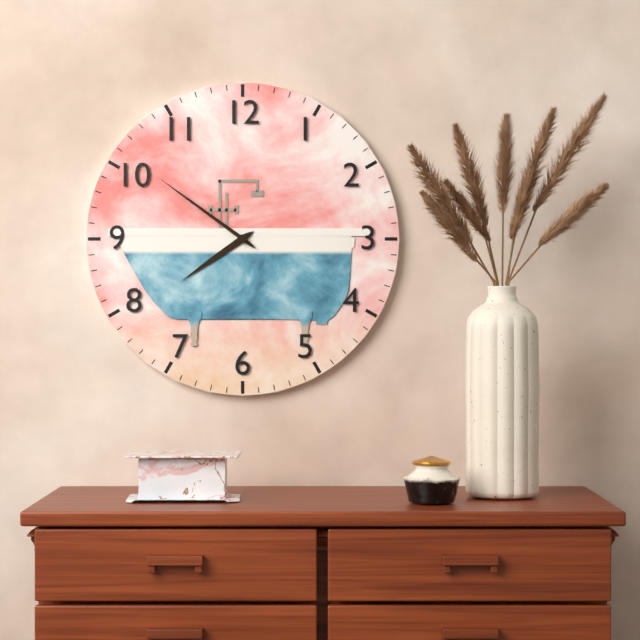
{"hour": 7, "minute": 51}
